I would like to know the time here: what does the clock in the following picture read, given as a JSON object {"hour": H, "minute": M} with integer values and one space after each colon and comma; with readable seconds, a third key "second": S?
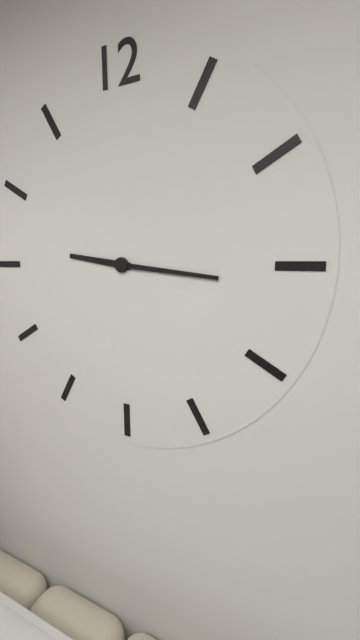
{"hour": 9, "minute": 16}
